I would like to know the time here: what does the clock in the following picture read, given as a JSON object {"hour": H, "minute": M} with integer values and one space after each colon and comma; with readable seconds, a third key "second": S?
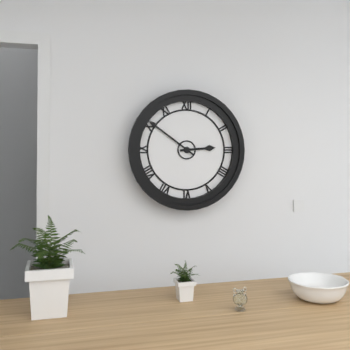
{"hour": 2, "minute": 51}
